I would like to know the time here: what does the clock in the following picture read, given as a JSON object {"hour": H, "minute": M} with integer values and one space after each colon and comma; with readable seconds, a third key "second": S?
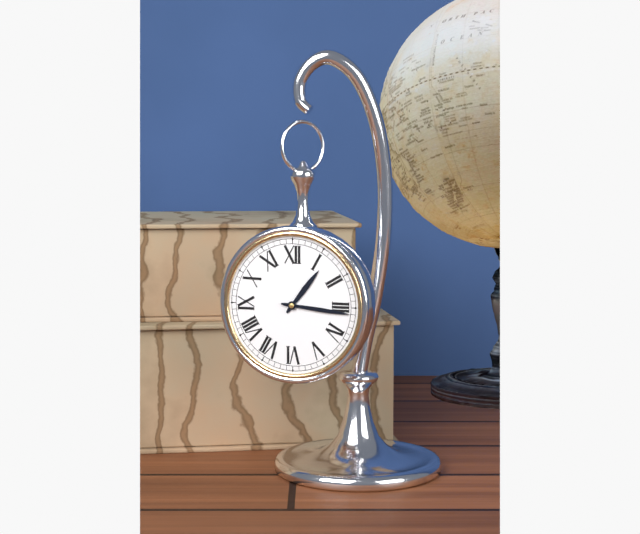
{"hour": 1, "minute": 16}
